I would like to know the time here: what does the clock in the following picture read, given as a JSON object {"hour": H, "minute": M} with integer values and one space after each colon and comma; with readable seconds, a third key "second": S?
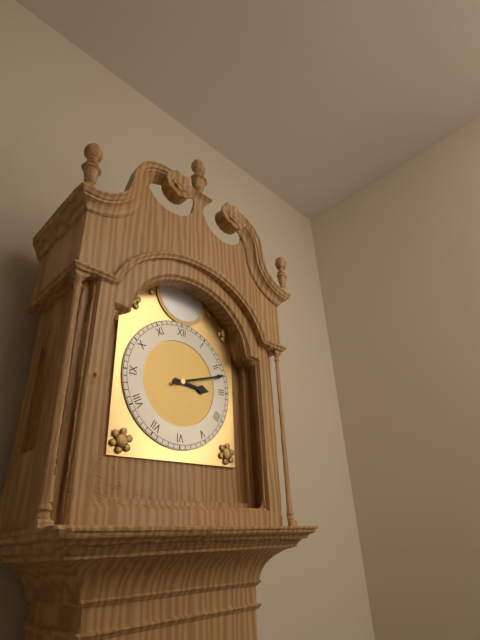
{"hour": 3, "minute": 12}
